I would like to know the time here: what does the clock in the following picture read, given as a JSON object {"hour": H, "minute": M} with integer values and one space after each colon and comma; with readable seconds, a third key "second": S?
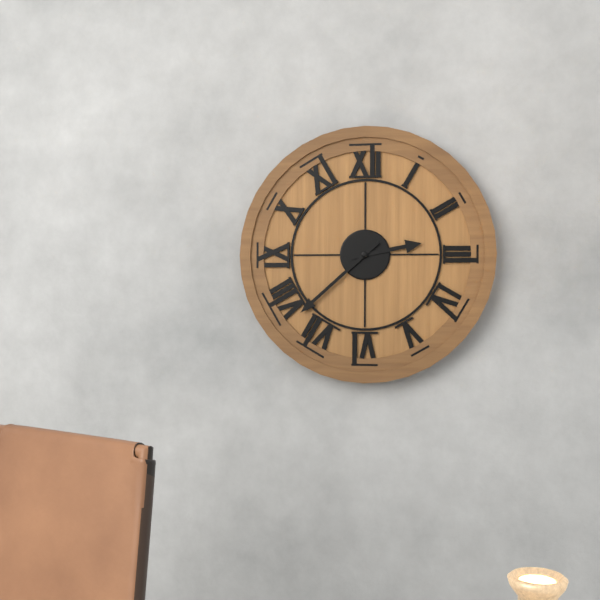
{"hour": 2, "minute": 38}
